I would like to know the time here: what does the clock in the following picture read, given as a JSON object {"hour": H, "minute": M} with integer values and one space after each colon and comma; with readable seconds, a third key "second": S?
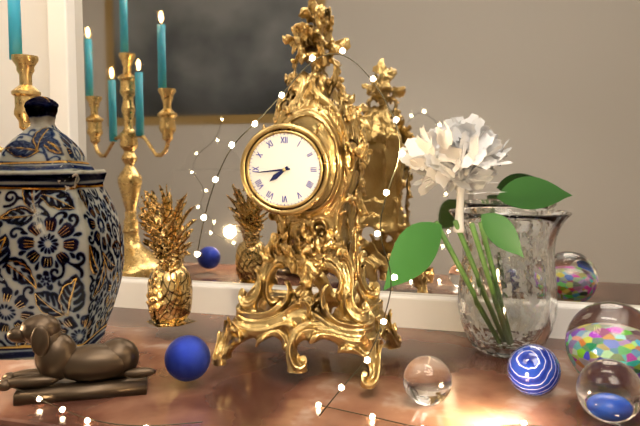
{"hour": 7, "minute": 44}
